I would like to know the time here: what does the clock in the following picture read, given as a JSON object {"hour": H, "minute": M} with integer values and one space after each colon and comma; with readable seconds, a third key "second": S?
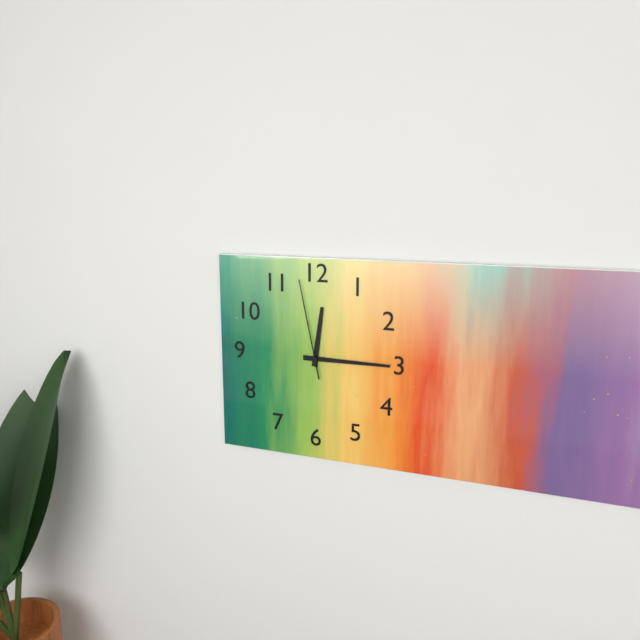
{"hour": 12, "minute": 15, "second": 58}
